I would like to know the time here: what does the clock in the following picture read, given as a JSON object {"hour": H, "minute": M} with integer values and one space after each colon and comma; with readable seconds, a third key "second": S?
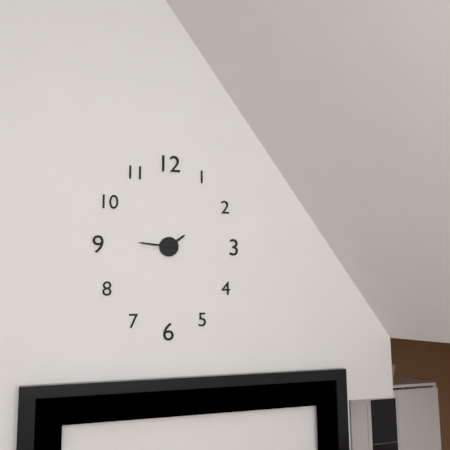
{"hour": 1, "minute": 46}
